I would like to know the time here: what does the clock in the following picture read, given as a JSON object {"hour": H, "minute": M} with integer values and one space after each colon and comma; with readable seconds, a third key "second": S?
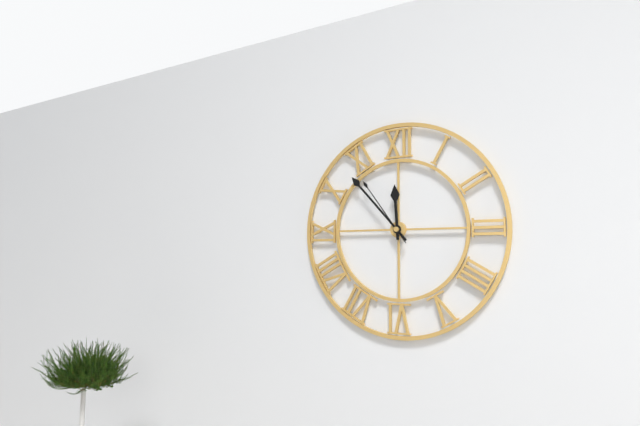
{"hour": 11, "minute": 53, "second": 54}
